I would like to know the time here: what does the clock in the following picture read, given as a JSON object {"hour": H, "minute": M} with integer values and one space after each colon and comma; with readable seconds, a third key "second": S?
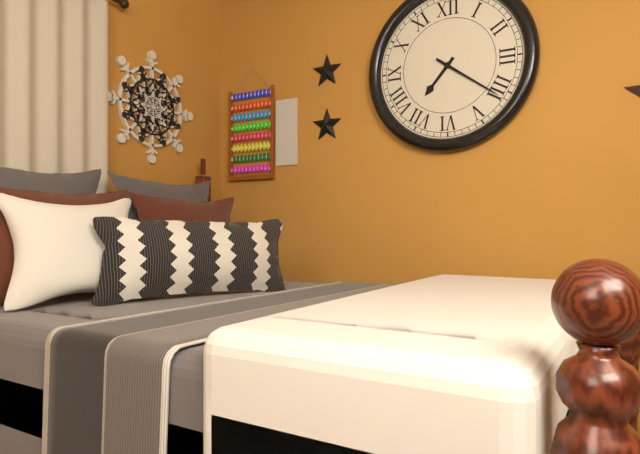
{"hour": 7, "minute": 21}
